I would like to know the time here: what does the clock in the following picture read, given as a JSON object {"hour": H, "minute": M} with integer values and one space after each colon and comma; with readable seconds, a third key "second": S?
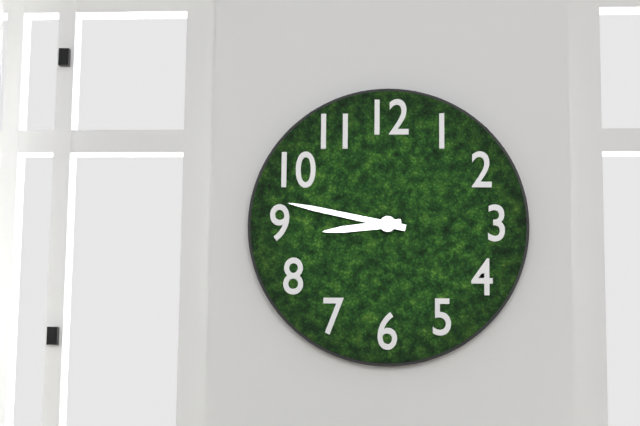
{"hour": 8, "minute": 47}
